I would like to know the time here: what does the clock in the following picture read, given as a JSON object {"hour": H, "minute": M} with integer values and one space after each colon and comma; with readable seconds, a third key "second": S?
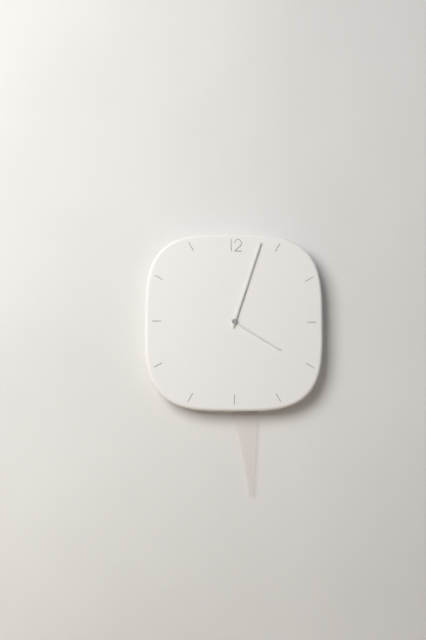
{"hour": 4, "minute": 3}
